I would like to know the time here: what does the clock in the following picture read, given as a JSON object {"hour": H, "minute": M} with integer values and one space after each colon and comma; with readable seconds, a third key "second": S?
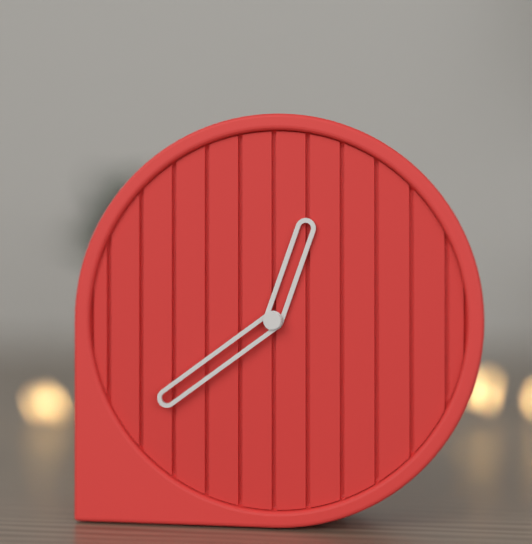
{"hour": 12, "minute": 39}
